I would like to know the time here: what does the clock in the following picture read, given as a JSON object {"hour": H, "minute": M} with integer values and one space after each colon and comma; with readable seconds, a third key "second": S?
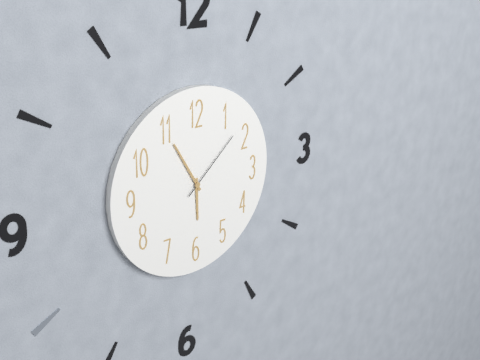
{"hour": 5, "minute": 55, "second": 8}
